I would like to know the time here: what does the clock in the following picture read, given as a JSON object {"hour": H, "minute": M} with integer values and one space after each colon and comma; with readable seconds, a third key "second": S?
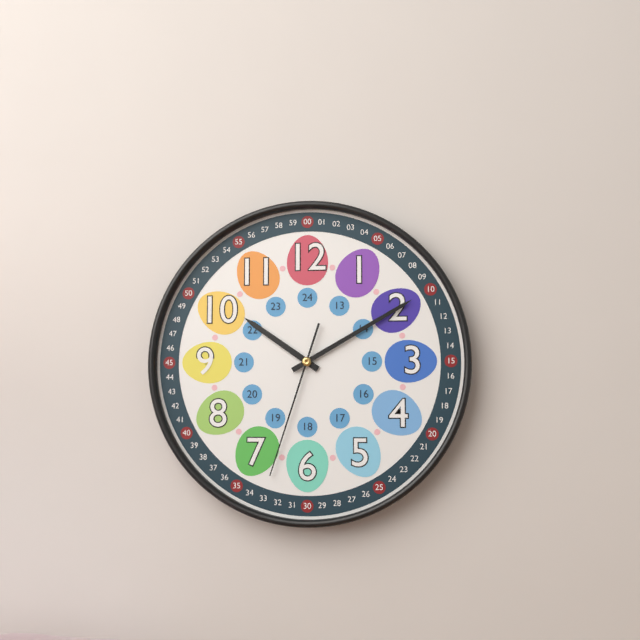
{"hour": 10, "minute": 10, "second": 33}
